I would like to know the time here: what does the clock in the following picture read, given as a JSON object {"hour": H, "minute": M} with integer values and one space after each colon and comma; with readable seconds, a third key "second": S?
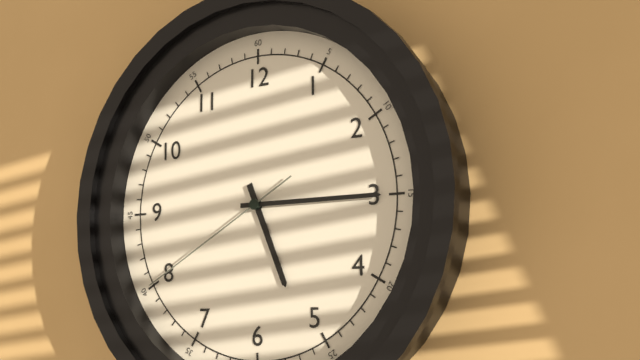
{"hour": 5, "minute": 15, "second": 40}
